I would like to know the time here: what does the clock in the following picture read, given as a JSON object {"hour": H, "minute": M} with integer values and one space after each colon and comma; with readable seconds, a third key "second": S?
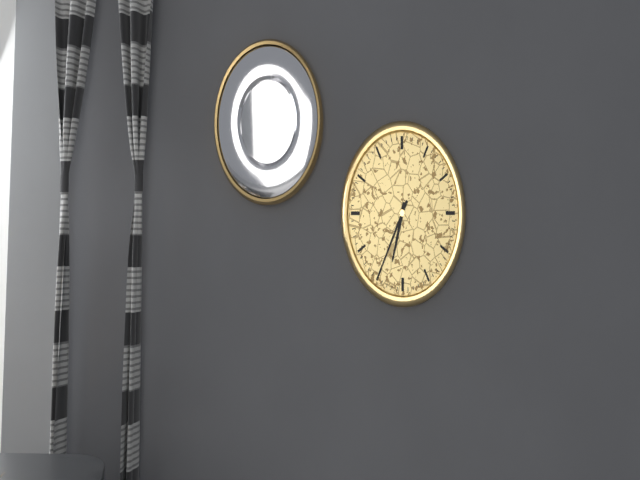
{"hour": 6, "minute": 35}
